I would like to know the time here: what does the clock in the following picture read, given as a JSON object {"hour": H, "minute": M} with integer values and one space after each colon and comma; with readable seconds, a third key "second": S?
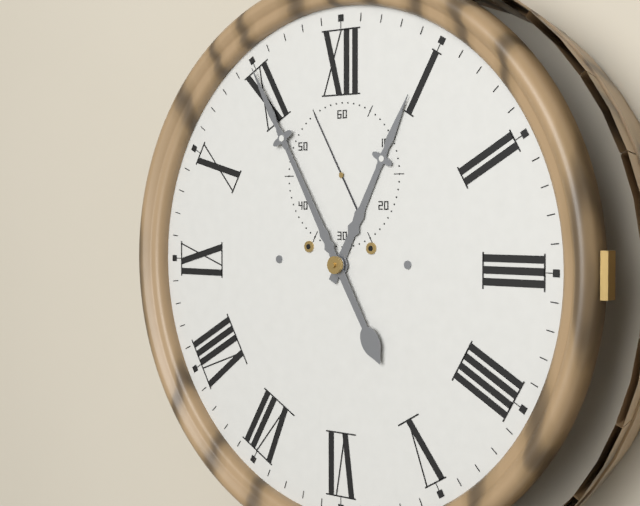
{"hour": 12, "minute": 55, "second": 55}
